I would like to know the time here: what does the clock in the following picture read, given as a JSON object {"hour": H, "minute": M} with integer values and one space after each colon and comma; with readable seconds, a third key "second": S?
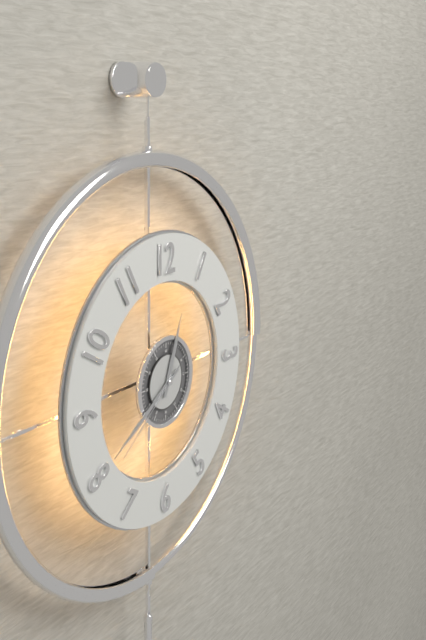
{"hour": 12, "minute": 40, "second": 39}
